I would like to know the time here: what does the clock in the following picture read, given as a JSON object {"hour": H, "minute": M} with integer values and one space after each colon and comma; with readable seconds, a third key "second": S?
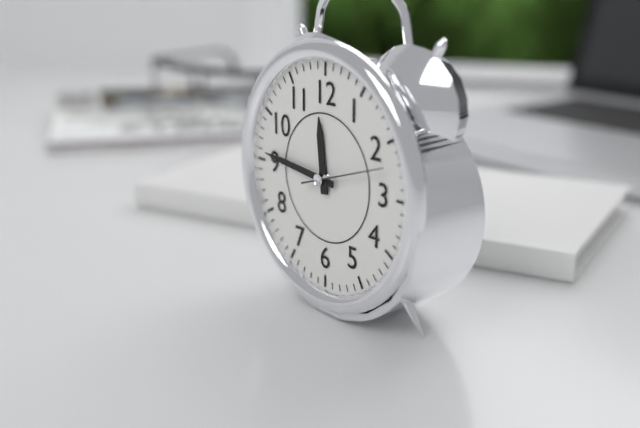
{"hour": 11, "minute": 46, "second": 12}
